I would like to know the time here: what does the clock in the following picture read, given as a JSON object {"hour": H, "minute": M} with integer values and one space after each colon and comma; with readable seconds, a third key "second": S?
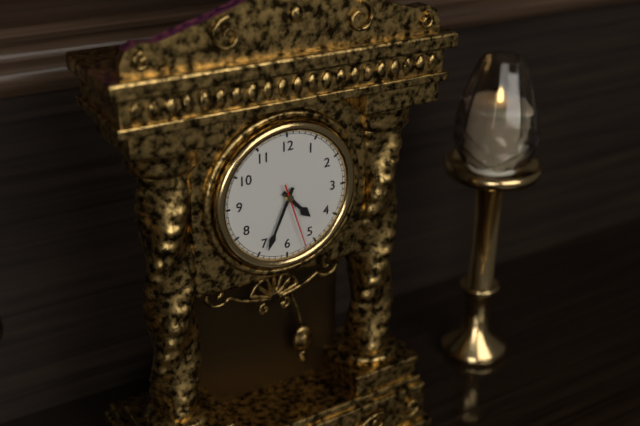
{"hour": 4, "minute": 34, "second": 27}
